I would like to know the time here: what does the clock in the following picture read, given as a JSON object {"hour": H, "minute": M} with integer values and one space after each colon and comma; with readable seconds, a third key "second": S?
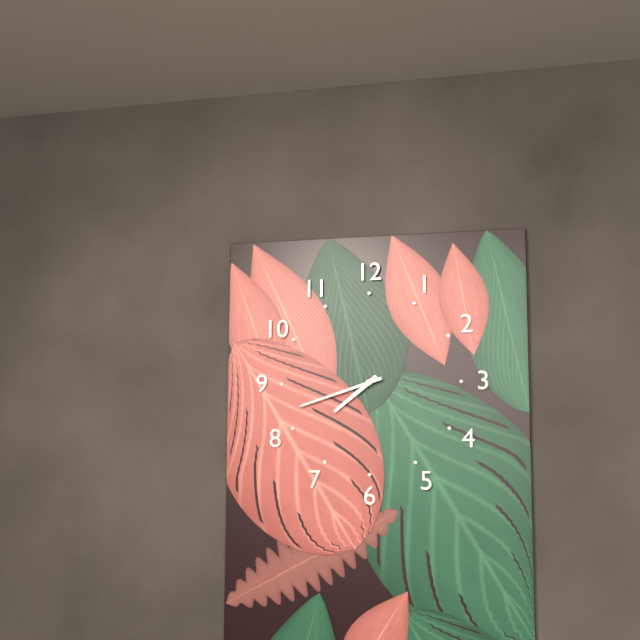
{"hour": 7, "minute": 42}
